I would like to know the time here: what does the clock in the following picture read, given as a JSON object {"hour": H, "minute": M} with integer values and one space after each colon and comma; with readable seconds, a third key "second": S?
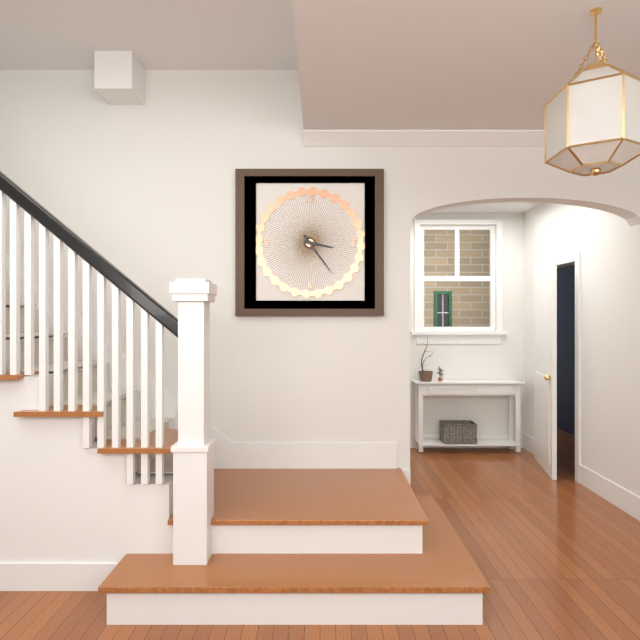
{"hour": 3, "minute": 24}
